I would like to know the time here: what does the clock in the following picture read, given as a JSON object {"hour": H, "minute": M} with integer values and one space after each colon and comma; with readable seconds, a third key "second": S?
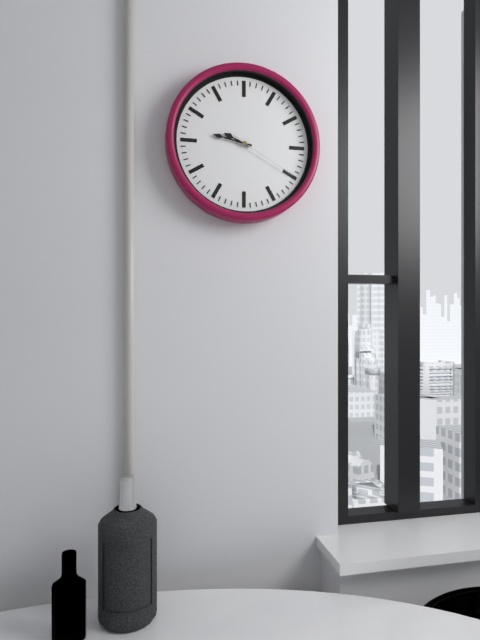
{"hour": 9, "minute": 47, "second": 20}
